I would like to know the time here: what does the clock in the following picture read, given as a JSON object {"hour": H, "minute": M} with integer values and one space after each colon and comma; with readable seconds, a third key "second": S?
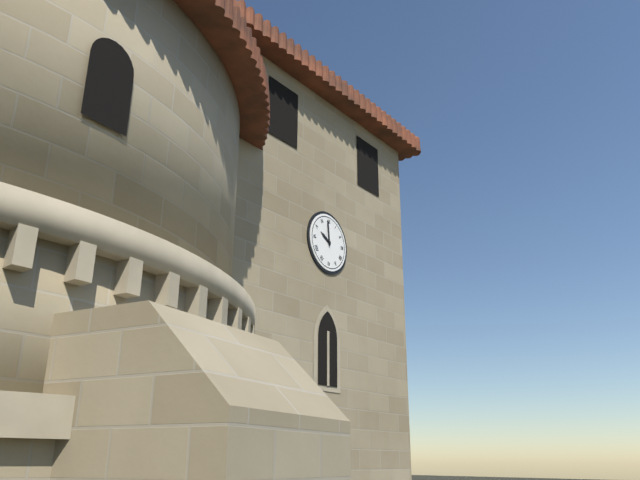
{"hour": 9, "minute": 59}
